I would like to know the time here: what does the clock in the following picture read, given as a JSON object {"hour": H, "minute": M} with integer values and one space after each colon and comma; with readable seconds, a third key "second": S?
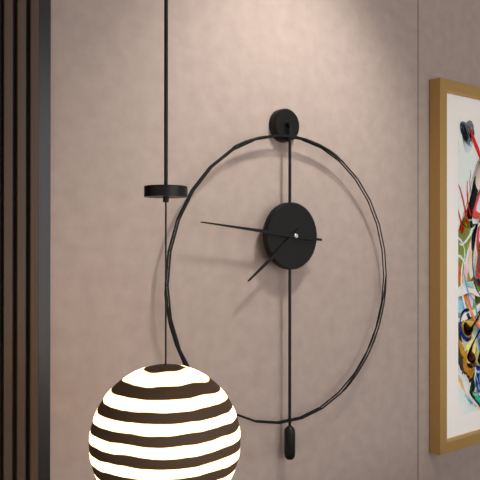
{"hour": 7, "minute": 46}
